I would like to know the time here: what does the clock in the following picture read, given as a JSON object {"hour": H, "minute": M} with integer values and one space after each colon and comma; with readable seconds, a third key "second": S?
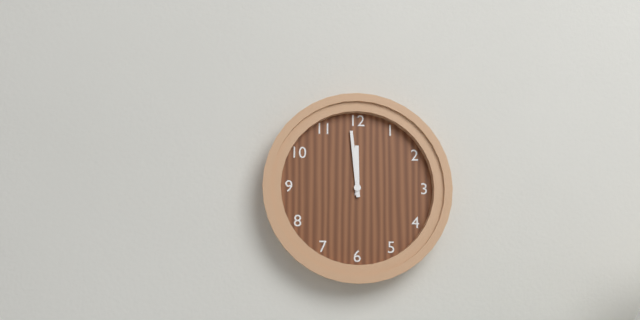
{"hour": 11, "minute": 59}
